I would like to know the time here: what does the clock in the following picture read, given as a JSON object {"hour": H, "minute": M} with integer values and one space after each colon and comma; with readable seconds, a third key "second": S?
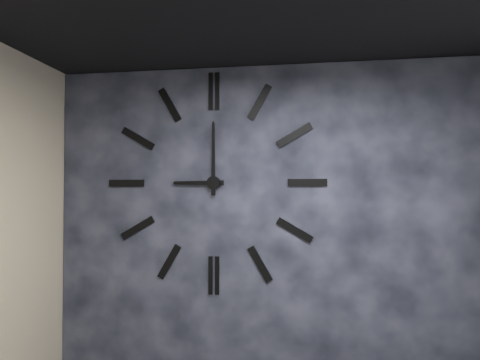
{"hour": 9, "minute": 0}
